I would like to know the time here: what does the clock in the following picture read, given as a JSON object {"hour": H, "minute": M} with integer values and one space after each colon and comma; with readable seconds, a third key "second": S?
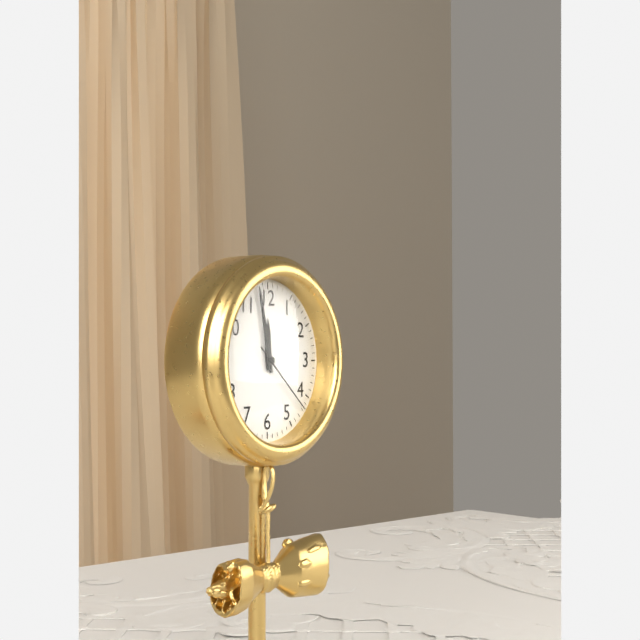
{"hour": 11, "minute": 58, "second": 22}
